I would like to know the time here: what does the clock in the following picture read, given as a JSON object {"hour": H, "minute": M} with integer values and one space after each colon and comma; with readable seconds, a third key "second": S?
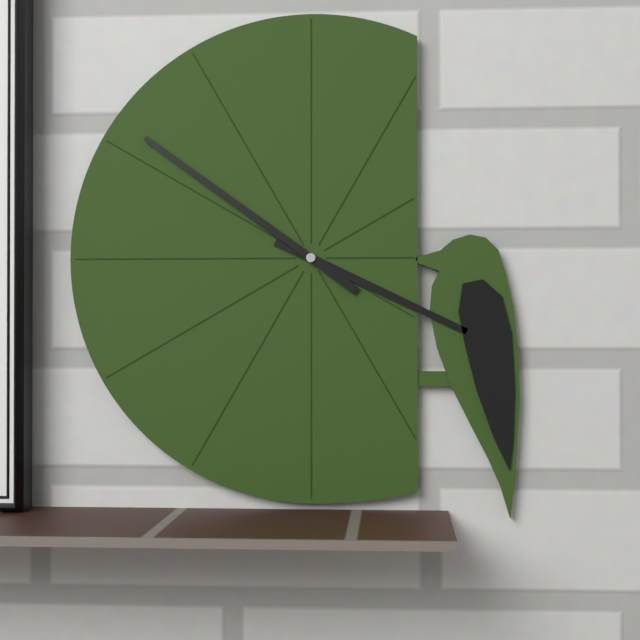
{"hour": 3, "minute": 51}
